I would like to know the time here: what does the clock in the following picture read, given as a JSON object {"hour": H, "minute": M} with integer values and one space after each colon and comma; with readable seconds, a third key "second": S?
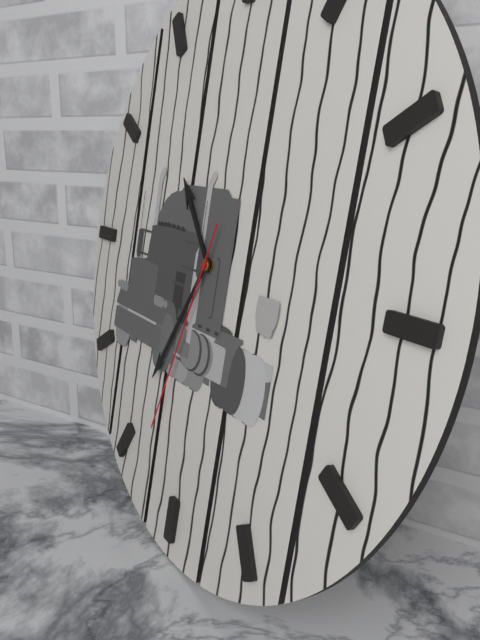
{"hour": 10, "minute": 35, "second": 33}
